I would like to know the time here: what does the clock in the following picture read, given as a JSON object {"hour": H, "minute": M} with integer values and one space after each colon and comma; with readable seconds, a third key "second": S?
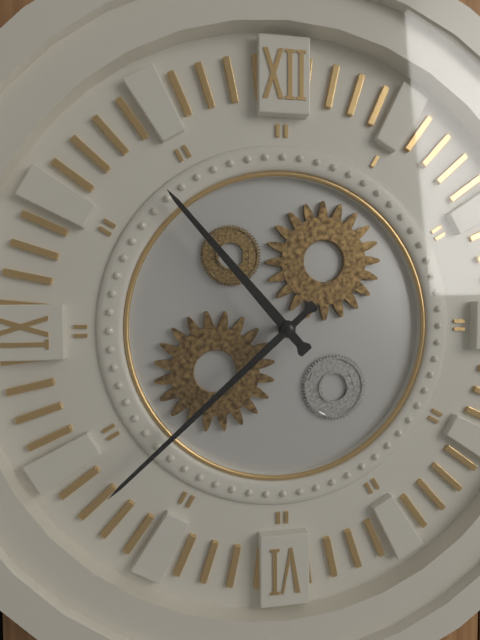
{"hour": 10, "minute": 38}
